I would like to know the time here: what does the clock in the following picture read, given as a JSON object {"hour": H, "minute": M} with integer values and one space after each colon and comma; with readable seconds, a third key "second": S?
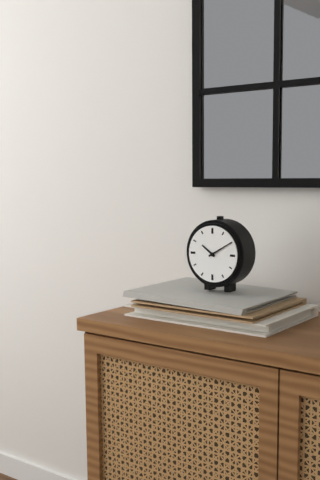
{"hour": 10, "minute": 10}
